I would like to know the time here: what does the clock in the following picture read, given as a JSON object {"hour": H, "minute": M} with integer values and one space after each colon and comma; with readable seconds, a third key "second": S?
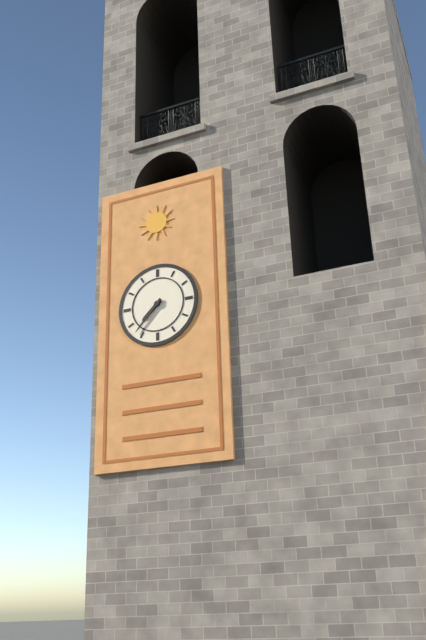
{"hour": 7, "minute": 37}
